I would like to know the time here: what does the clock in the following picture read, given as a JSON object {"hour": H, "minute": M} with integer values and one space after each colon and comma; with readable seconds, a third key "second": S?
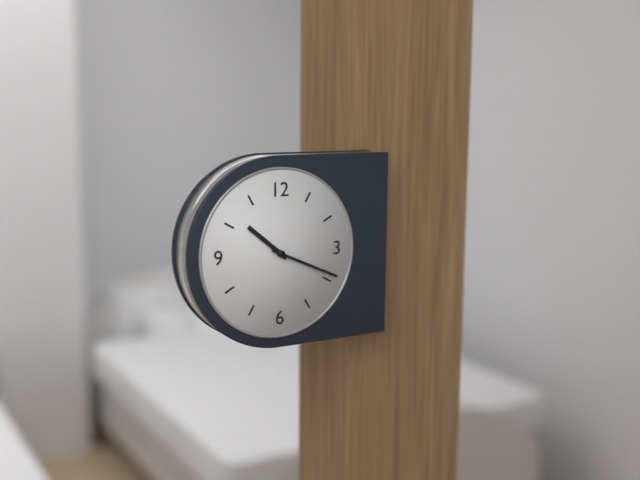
{"hour": 10, "minute": 19}
